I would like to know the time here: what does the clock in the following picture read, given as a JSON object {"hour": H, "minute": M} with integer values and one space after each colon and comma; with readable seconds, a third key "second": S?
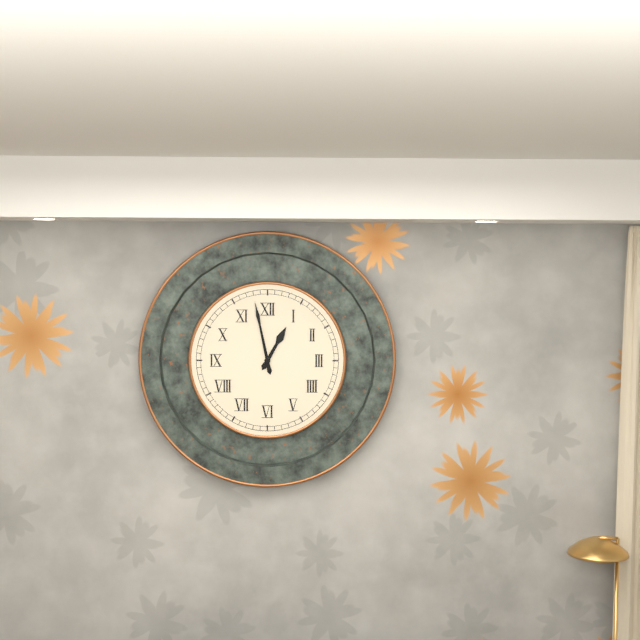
{"hour": 12, "minute": 58}
